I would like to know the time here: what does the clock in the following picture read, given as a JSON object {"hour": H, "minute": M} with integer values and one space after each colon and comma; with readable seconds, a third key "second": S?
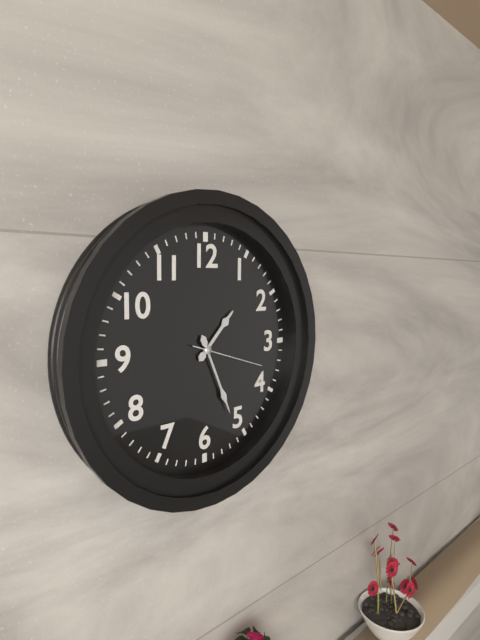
{"hour": 1, "minute": 26, "second": 18}
